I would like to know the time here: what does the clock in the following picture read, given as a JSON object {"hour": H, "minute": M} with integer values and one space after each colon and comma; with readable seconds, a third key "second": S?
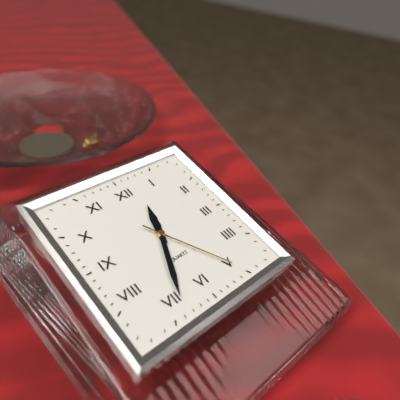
{"hour": 12, "minute": 34, "second": 25}
